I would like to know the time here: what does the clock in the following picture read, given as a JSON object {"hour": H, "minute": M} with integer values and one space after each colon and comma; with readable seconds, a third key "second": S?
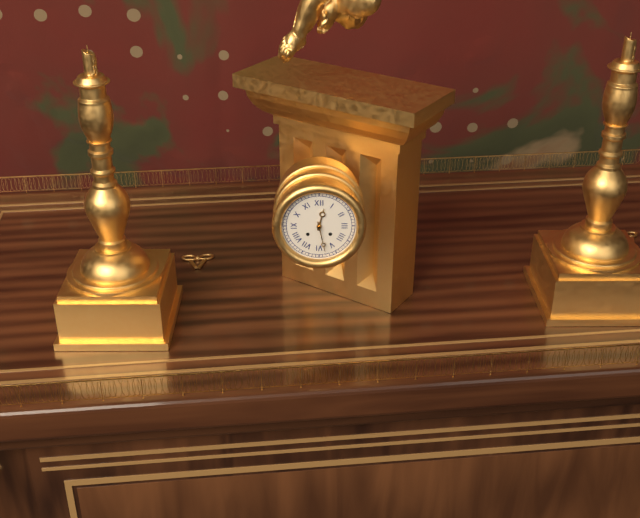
{"hour": 12, "minute": 28}
